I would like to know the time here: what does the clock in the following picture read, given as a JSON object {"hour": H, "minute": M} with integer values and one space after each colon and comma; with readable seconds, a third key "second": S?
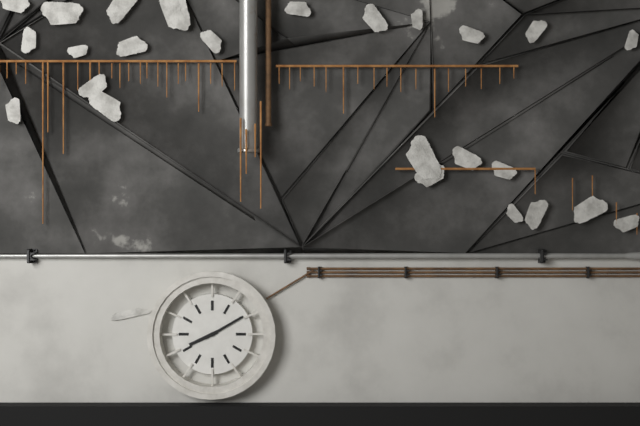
{"hour": 8, "minute": 10}
